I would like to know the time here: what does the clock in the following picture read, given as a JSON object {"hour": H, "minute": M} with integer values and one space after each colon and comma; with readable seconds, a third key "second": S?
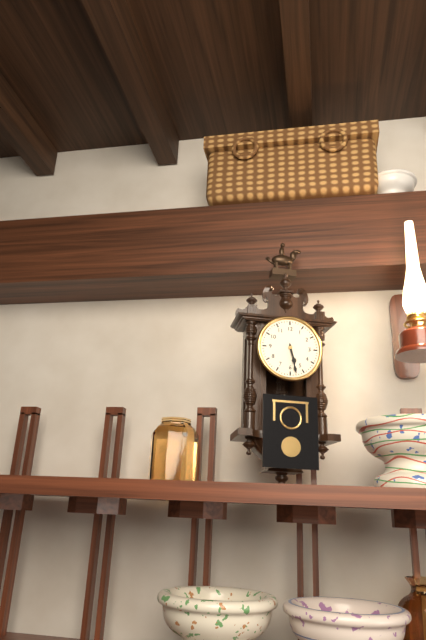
{"hour": 5, "minute": 28}
